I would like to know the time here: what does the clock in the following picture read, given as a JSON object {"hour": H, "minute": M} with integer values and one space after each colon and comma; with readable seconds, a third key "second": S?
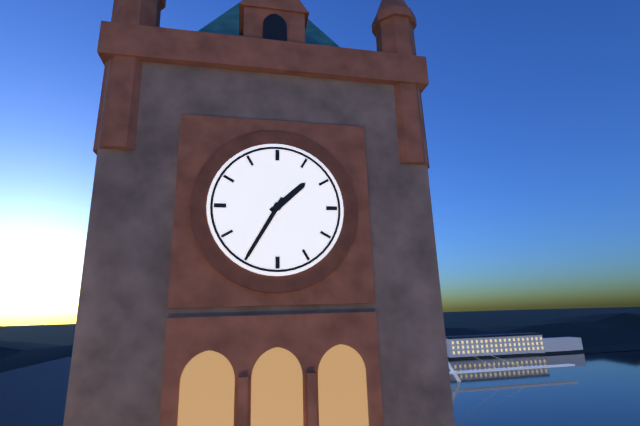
{"hour": 1, "minute": 35}
